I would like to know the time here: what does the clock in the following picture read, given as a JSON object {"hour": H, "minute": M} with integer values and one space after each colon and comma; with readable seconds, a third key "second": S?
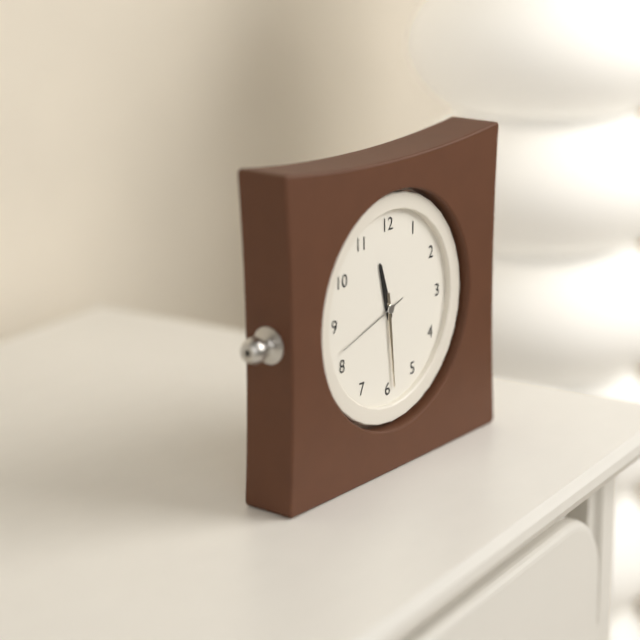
{"hour": 11, "minute": 29, "second": 42}
